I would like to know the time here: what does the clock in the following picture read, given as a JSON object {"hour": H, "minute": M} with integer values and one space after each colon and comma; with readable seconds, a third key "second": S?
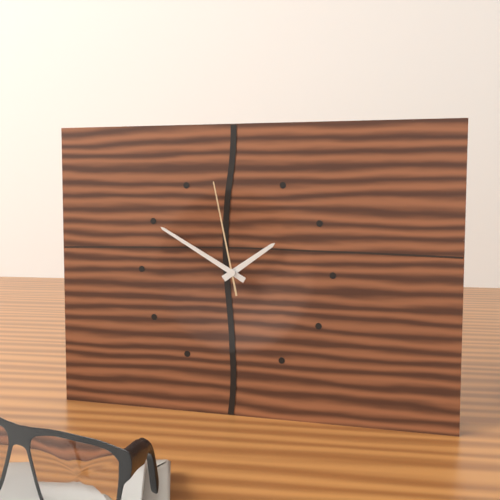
{"hour": 1, "minute": 50, "second": 58}
